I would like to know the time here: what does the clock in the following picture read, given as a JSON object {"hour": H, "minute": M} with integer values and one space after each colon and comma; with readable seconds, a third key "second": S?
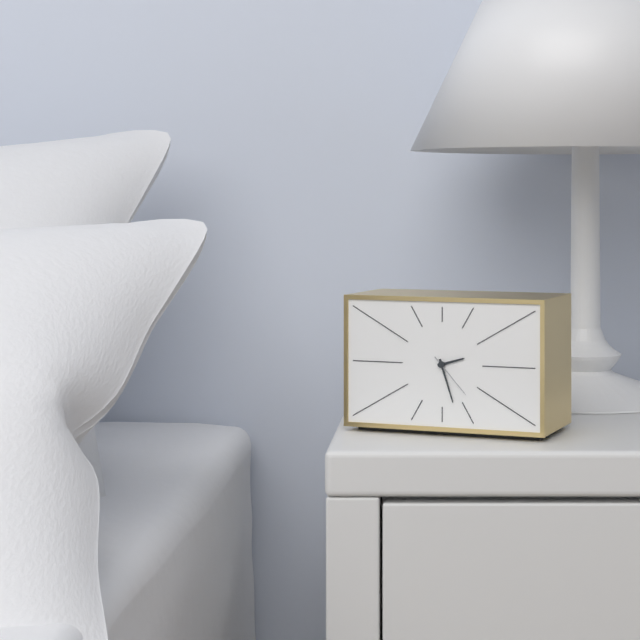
{"hour": 2, "minute": 27}
